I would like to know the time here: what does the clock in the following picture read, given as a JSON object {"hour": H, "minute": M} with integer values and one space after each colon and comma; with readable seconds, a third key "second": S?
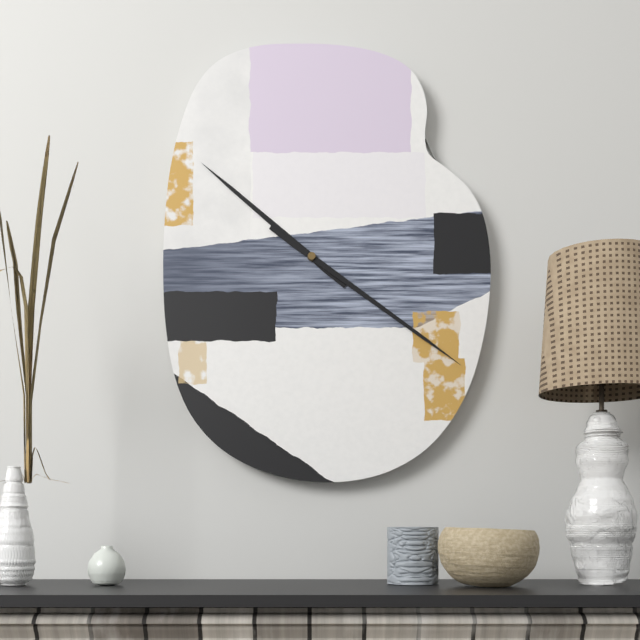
{"hour": 10, "minute": 21}
